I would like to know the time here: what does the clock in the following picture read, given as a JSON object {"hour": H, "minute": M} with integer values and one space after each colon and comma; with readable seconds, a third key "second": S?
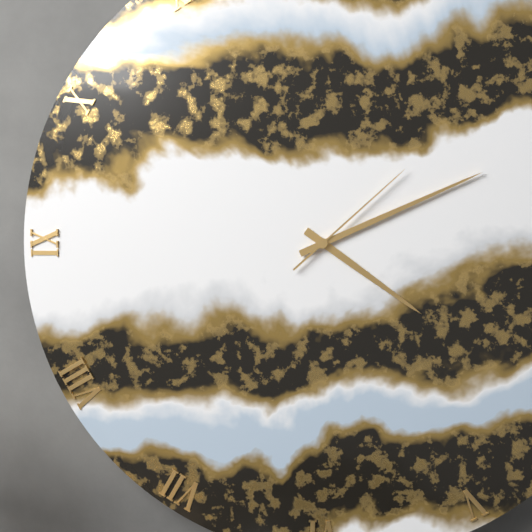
{"hour": 4, "minute": 11, "second": 8}
